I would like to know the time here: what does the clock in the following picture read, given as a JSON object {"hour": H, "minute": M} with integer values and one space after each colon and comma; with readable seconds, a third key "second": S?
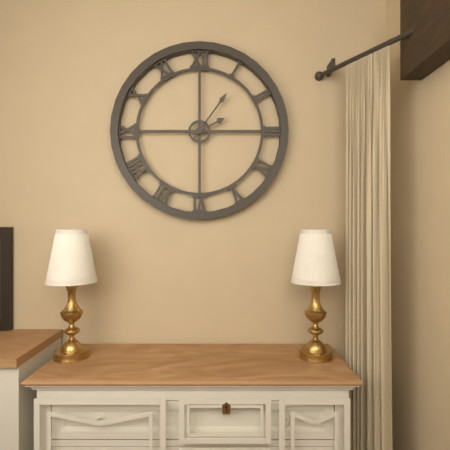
{"hour": 2, "minute": 6}
